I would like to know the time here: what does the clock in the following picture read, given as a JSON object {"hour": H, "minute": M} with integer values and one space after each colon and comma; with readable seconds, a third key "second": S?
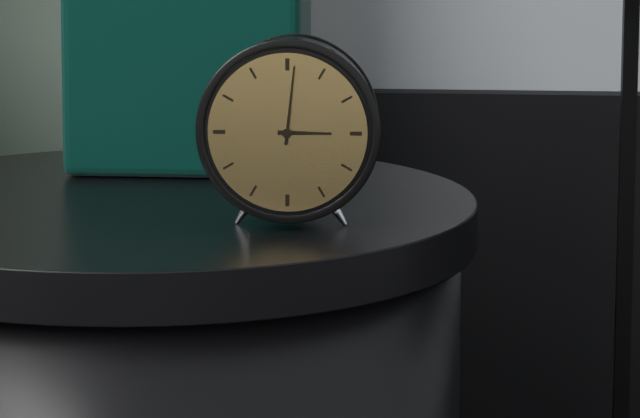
{"hour": 3, "minute": 1}
